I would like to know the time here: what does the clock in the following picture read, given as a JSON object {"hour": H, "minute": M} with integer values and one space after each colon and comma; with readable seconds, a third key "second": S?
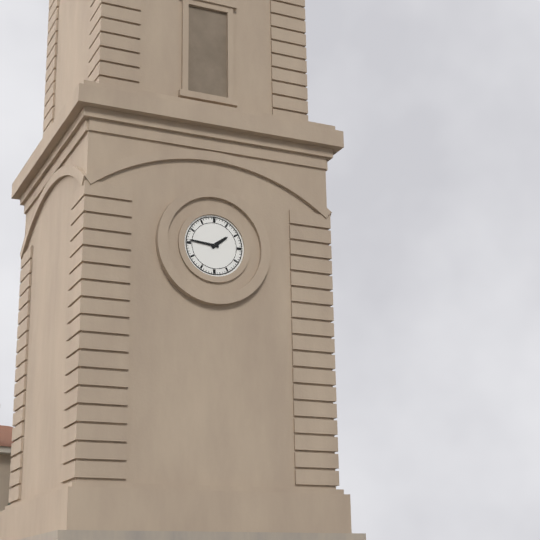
{"hour": 1, "minute": 46}
